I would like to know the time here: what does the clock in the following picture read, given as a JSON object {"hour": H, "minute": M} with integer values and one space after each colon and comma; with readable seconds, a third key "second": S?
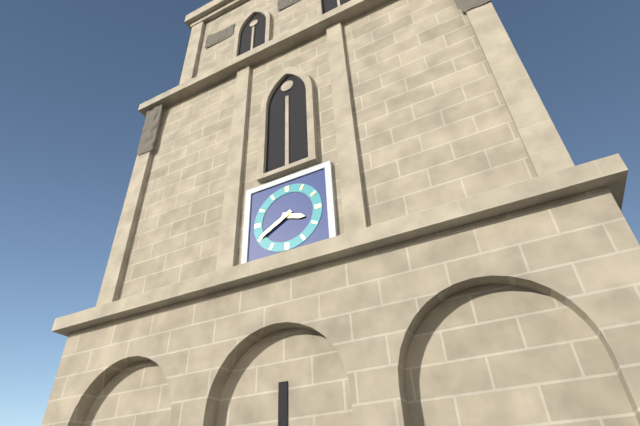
{"hour": 3, "minute": 40}
